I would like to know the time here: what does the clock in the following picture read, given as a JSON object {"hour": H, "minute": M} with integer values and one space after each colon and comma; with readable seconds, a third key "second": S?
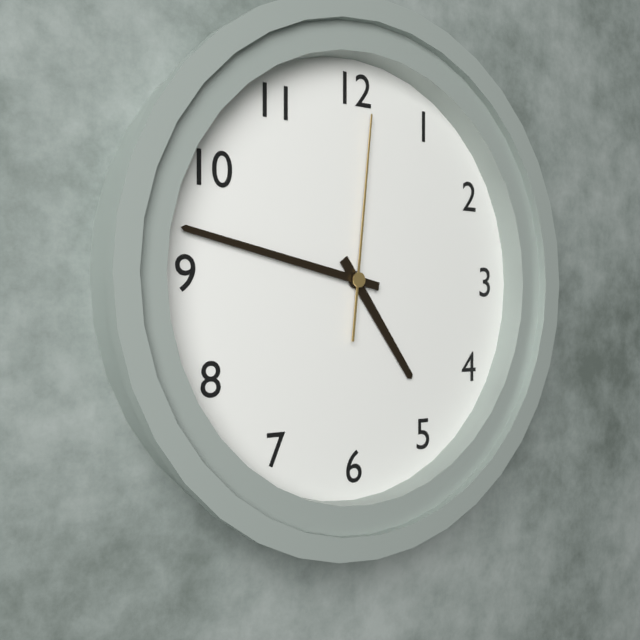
{"hour": 4, "minute": 47, "second": 1}
